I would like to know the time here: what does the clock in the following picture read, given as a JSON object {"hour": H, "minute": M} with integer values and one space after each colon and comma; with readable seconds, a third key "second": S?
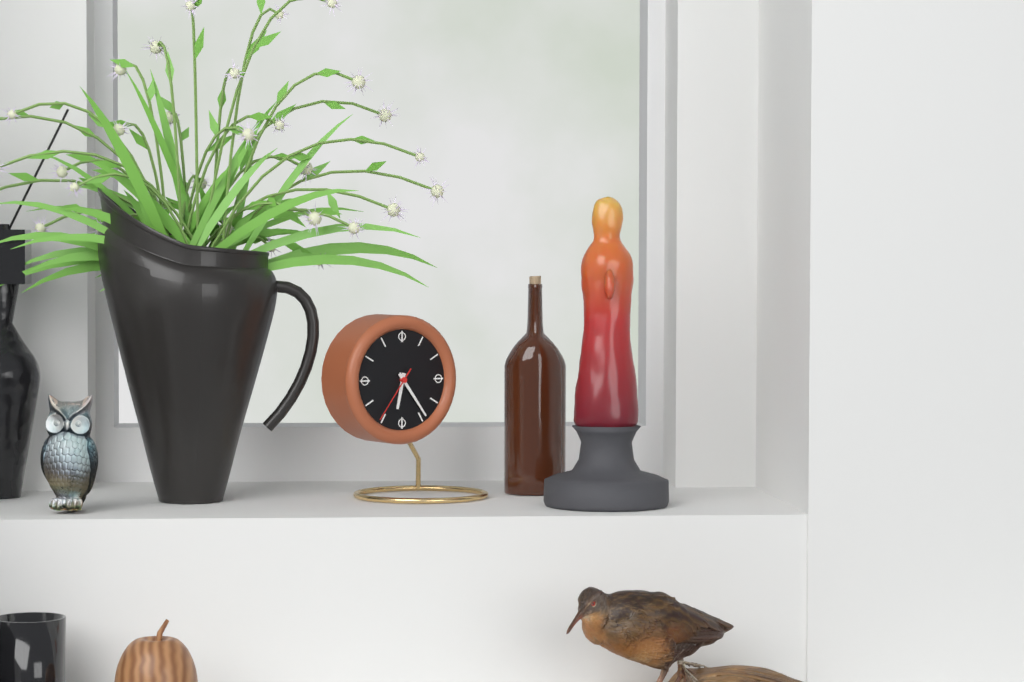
{"hour": 6, "minute": 24, "second": 36}
